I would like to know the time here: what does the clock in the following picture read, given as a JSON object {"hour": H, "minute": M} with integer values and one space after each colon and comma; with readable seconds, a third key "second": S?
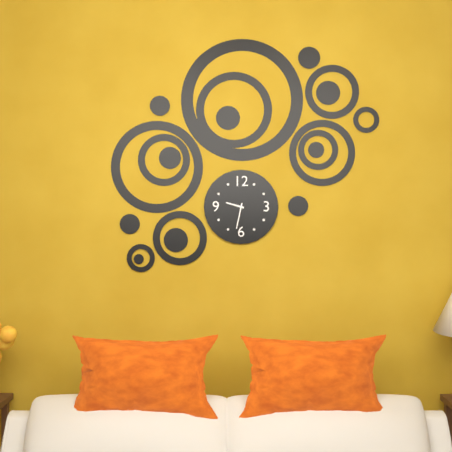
{"hour": 9, "minute": 32}
